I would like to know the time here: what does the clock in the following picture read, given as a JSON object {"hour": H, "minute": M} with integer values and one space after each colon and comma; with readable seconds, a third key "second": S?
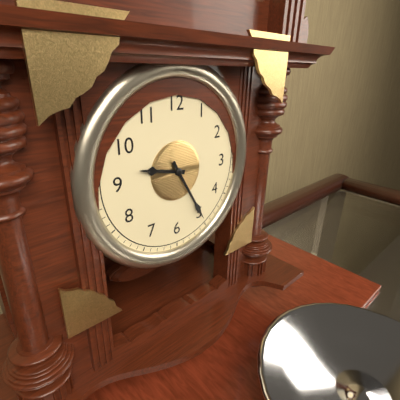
{"hour": 9, "minute": 25}
